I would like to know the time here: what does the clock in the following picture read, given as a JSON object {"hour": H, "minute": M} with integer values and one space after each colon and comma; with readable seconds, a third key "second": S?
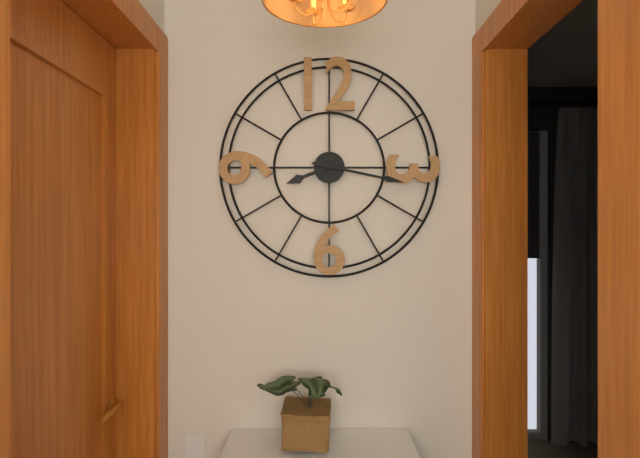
{"hour": 8, "minute": 17}
